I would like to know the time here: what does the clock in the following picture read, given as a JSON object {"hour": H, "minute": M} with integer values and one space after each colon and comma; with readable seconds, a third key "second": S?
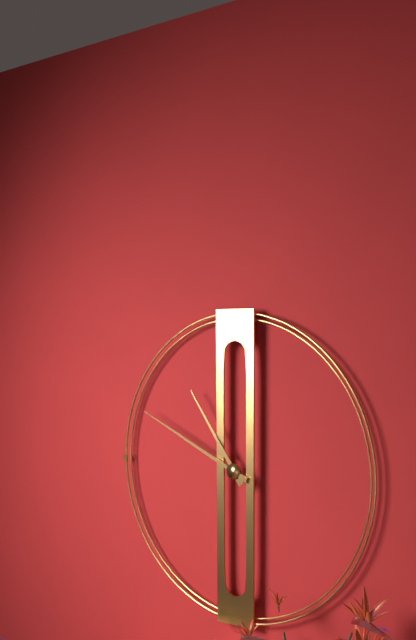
{"hour": 10, "minute": 49}
